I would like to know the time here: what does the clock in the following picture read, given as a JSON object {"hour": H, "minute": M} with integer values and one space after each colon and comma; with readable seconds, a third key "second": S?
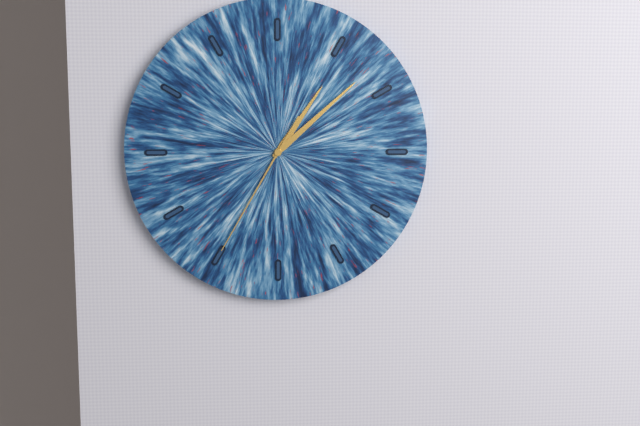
{"hour": 1, "minute": 8, "second": 35}
